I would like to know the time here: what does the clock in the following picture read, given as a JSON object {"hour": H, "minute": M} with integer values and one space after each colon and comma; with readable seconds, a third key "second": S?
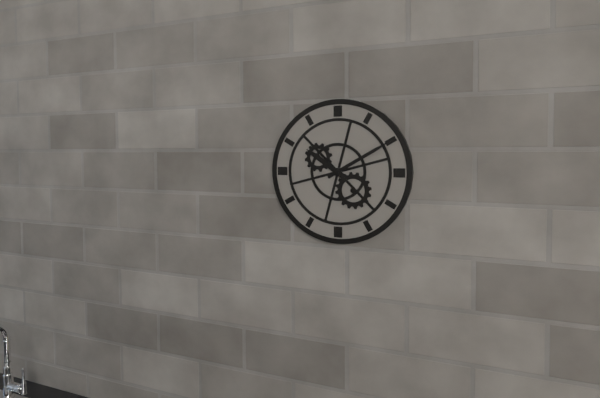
{"hour": 10, "minute": 10}
